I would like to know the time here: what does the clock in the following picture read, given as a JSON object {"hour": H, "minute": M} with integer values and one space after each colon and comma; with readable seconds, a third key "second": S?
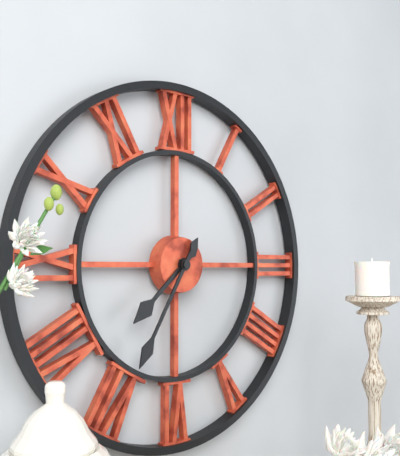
{"hour": 7, "minute": 35}
